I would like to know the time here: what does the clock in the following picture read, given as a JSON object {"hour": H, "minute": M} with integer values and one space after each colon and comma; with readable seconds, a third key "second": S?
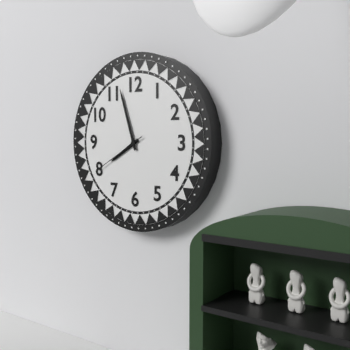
{"hour": 7, "minute": 57, "second": 40}
